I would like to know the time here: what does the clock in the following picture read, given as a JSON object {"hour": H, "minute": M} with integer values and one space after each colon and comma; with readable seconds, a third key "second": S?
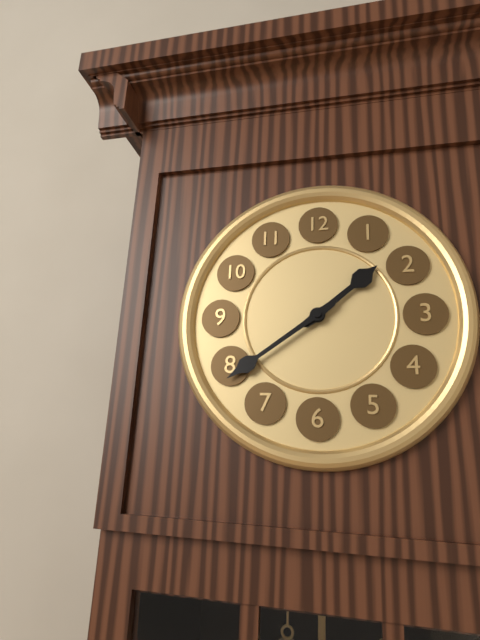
{"hour": 1, "minute": 39}
